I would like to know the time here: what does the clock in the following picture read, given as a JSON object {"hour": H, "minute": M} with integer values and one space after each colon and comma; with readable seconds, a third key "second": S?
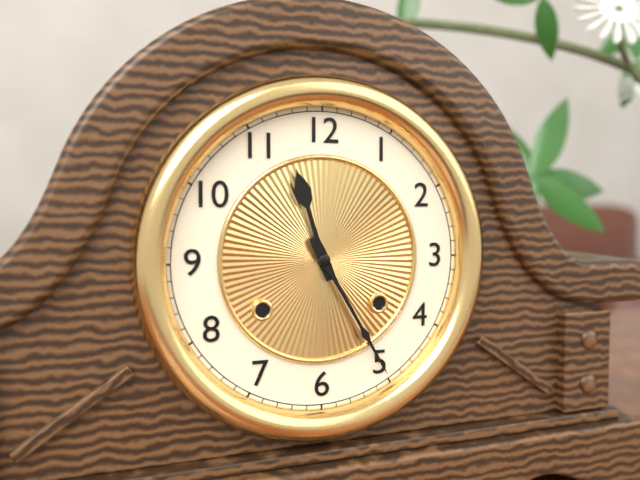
{"hour": 11, "minute": 25}
